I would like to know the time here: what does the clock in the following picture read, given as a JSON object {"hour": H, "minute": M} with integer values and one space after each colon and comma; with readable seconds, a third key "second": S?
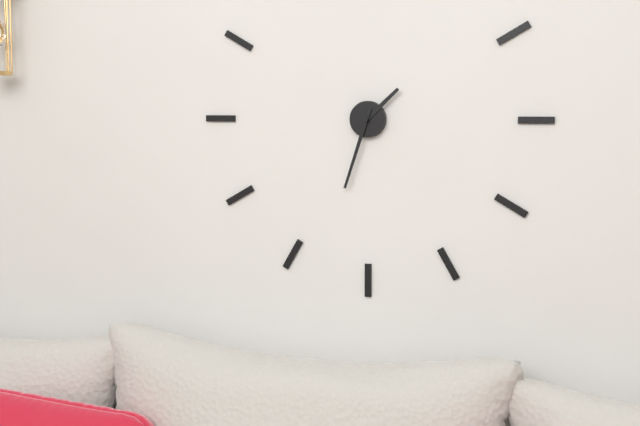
{"hour": 1, "minute": 33}
